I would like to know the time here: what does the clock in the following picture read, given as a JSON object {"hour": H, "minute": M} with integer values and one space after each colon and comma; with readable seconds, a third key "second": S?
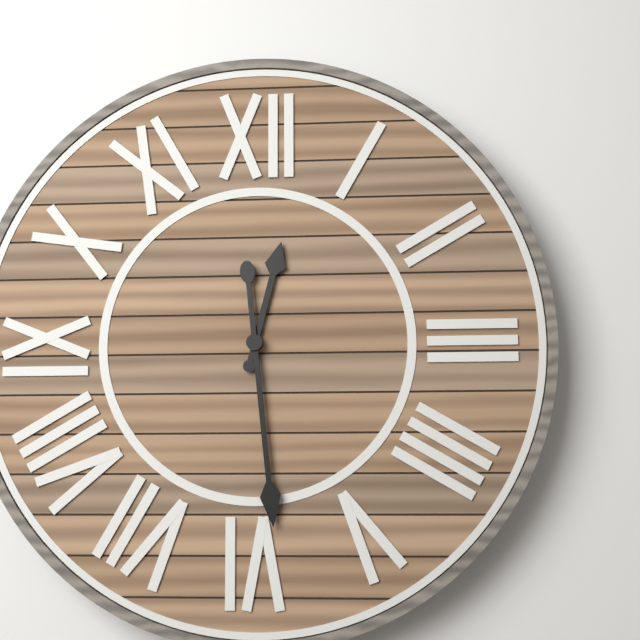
{"hour": 12, "minute": 29}
